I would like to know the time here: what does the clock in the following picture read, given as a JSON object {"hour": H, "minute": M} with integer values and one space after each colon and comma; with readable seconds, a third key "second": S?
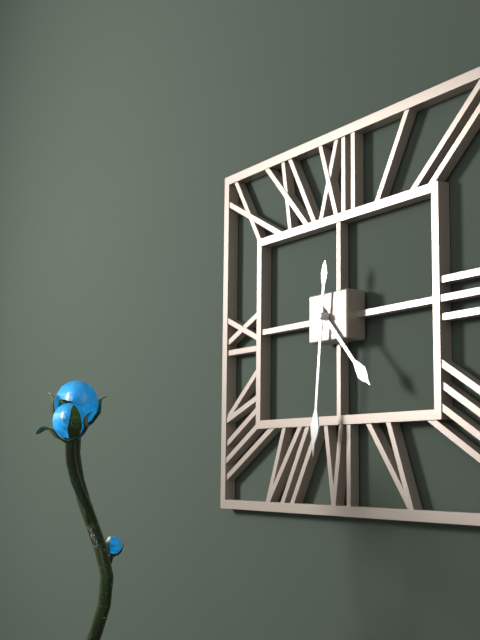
{"hour": 4, "minute": 31}
